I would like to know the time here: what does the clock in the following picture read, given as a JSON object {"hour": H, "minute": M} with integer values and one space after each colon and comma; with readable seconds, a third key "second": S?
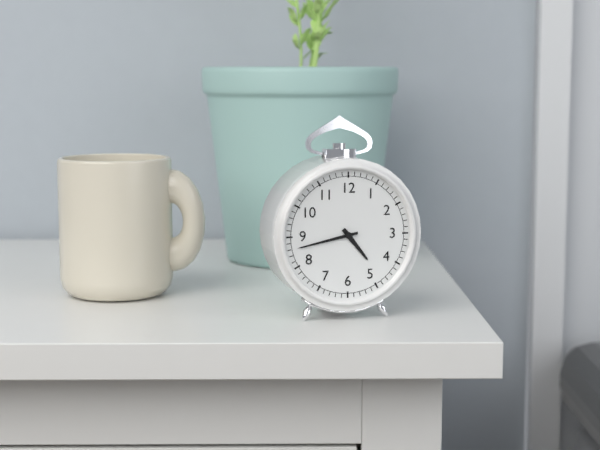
{"hour": 4, "minute": 43}
